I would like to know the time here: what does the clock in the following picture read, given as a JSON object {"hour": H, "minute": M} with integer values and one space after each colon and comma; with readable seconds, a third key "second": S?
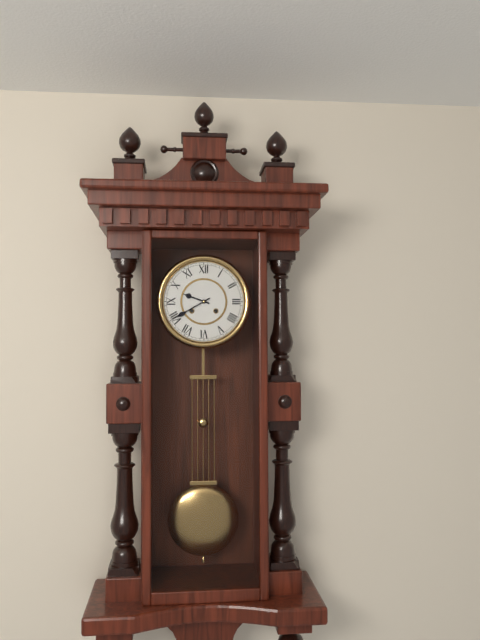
{"hour": 9, "minute": 40}
